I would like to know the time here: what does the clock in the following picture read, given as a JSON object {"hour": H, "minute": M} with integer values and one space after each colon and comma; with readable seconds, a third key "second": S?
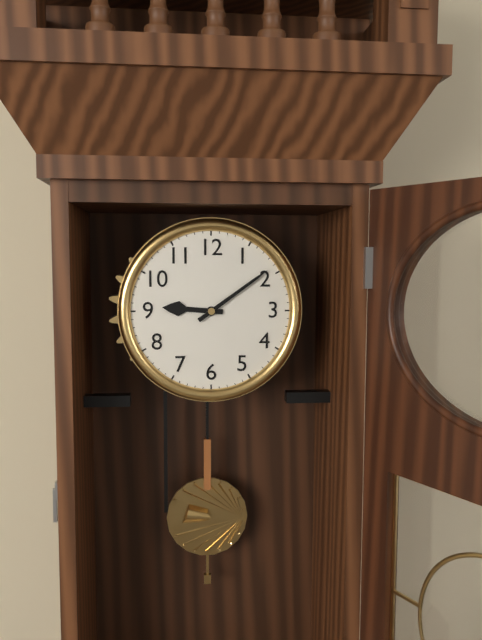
{"hour": 9, "minute": 9}
